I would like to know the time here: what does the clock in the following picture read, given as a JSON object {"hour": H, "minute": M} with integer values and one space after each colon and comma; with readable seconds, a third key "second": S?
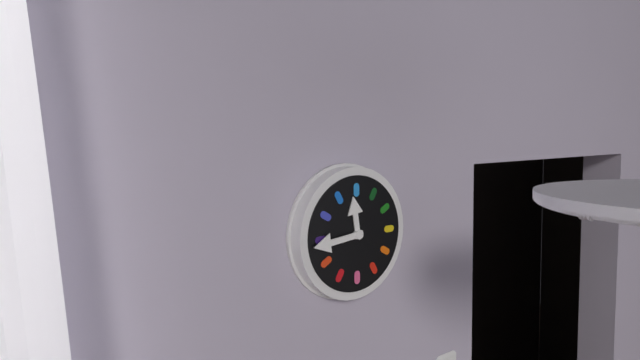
{"hour": 11, "minute": 44}
